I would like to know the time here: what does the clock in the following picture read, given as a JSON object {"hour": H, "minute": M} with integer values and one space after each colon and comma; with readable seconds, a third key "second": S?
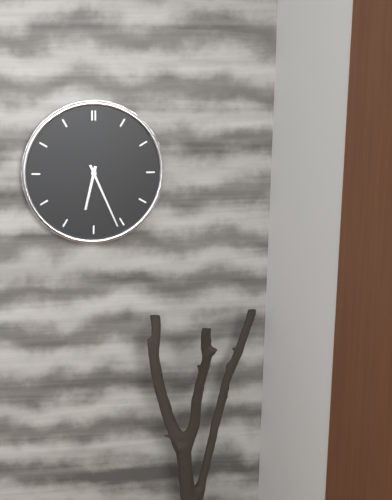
{"hour": 6, "minute": 26}
